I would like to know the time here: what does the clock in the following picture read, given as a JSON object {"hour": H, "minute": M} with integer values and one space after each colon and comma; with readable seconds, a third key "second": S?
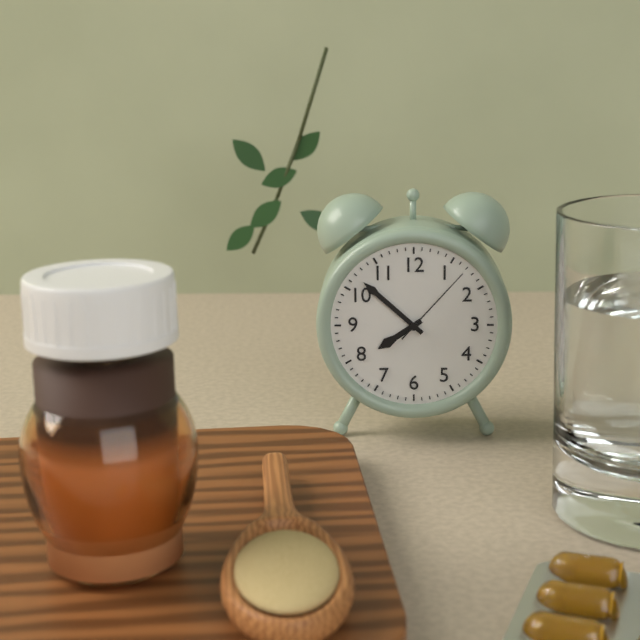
{"hour": 7, "minute": 52, "second": 7}
